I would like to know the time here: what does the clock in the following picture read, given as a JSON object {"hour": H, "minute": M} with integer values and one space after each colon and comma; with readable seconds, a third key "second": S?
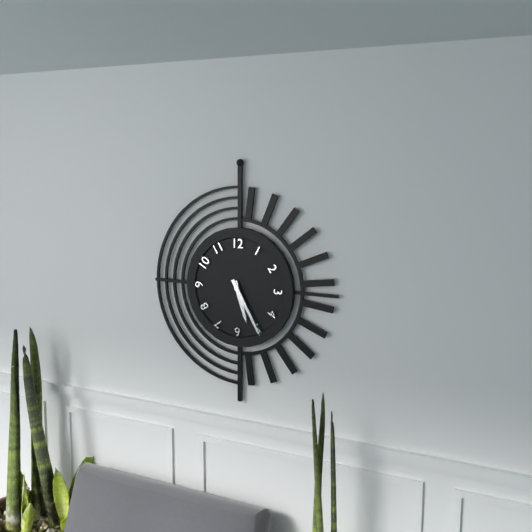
{"hour": 5, "minute": 25}
